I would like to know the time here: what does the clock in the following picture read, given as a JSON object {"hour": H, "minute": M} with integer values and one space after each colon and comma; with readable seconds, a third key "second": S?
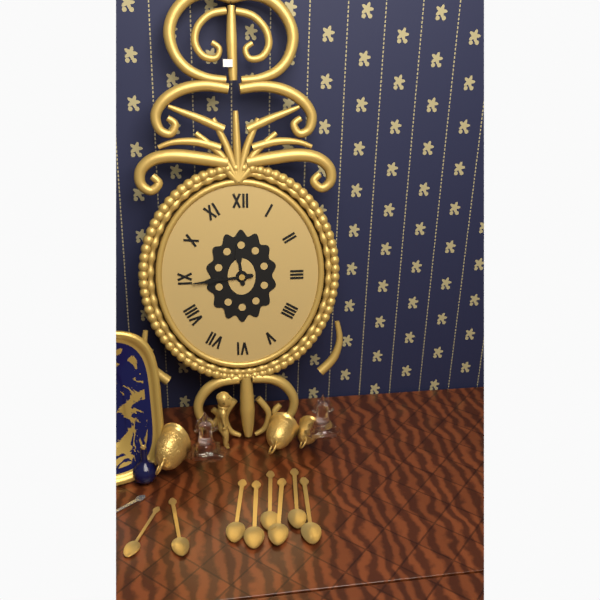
{"hour": 11, "minute": 44}
